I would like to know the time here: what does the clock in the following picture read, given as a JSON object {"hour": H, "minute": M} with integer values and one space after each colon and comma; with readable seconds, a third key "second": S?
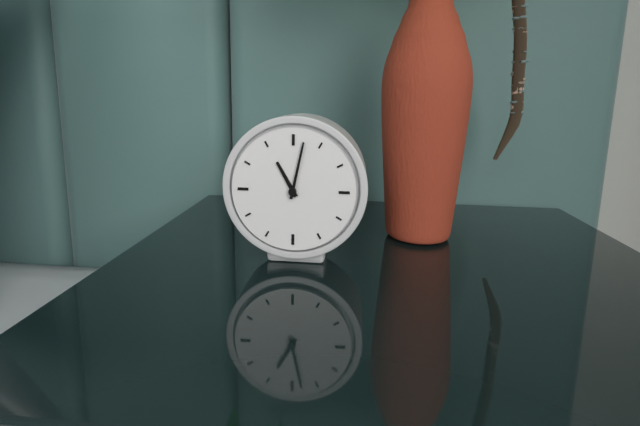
{"hour": 11, "minute": 2}
